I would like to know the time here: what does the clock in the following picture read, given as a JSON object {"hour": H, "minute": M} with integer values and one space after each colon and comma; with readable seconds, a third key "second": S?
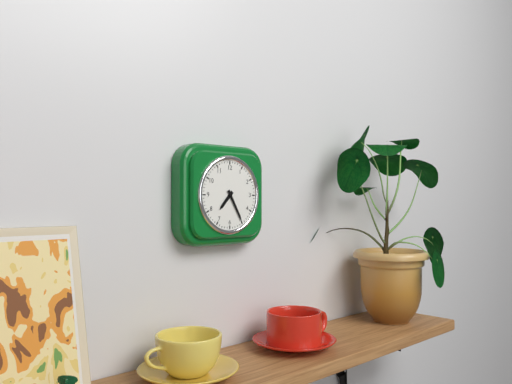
{"hour": 7, "minute": 25}
